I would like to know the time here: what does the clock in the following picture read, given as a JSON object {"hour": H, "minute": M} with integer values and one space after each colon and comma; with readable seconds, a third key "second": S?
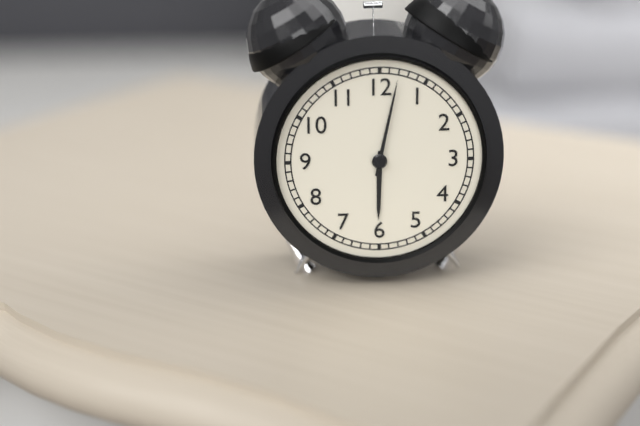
{"hour": 6, "minute": 2}
